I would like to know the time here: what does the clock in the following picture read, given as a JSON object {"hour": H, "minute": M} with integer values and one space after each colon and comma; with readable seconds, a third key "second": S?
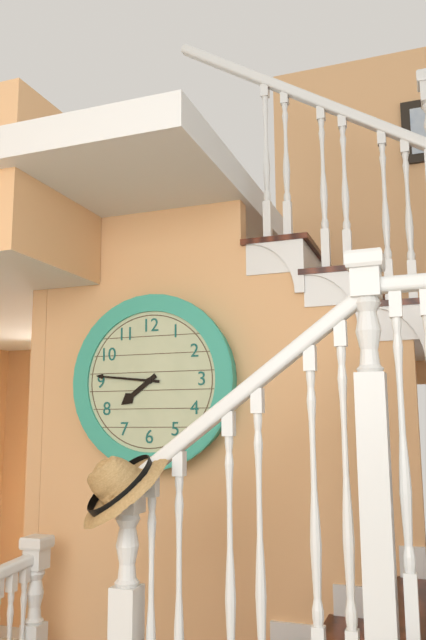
{"hour": 7, "minute": 46}
